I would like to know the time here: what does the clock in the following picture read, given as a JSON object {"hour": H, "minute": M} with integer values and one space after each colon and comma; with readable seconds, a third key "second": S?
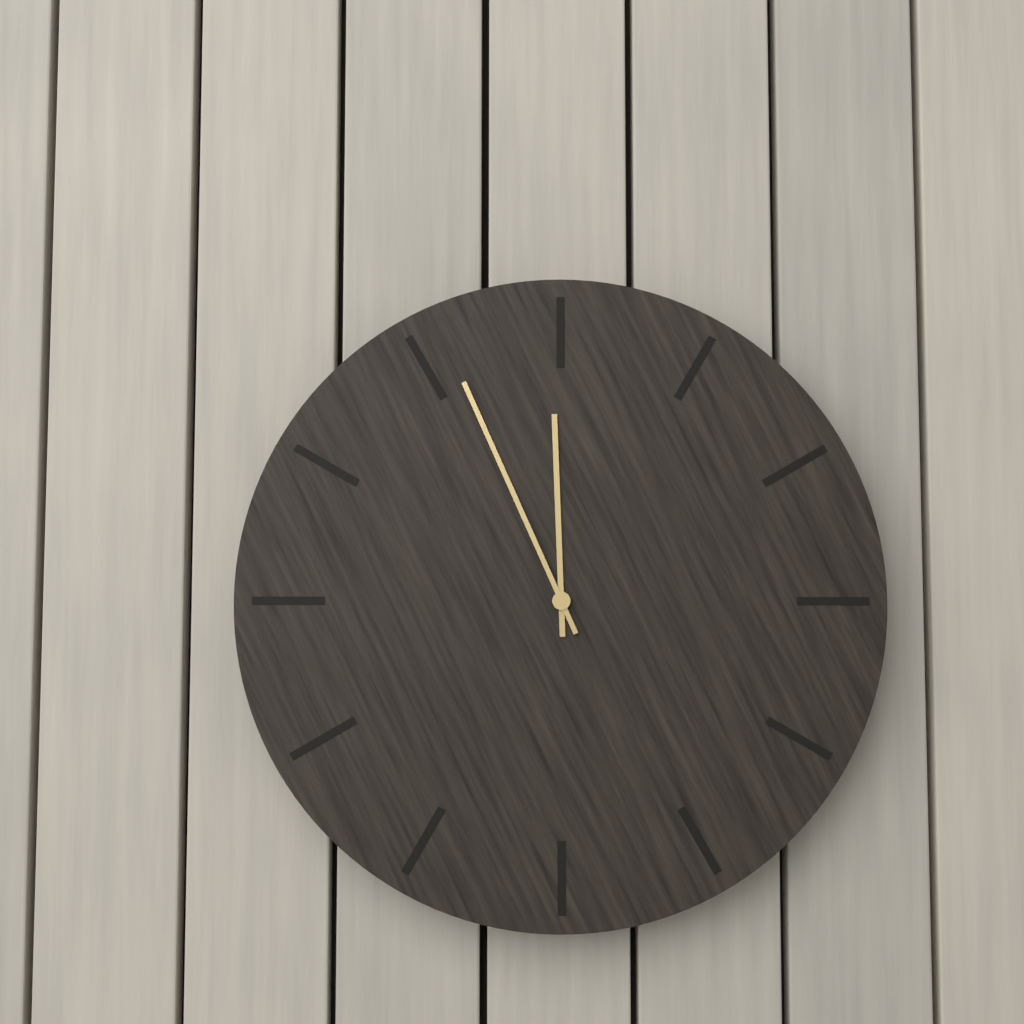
{"hour": 11, "minute": 56}
